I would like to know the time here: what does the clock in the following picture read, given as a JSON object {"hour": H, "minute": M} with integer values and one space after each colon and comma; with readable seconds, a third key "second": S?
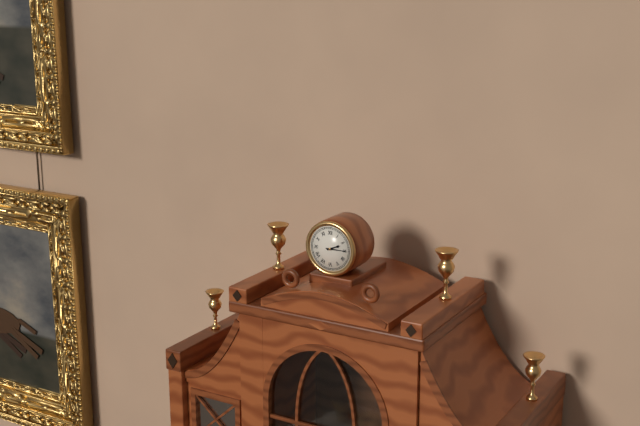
{"hour": 2, "minute": 15}
